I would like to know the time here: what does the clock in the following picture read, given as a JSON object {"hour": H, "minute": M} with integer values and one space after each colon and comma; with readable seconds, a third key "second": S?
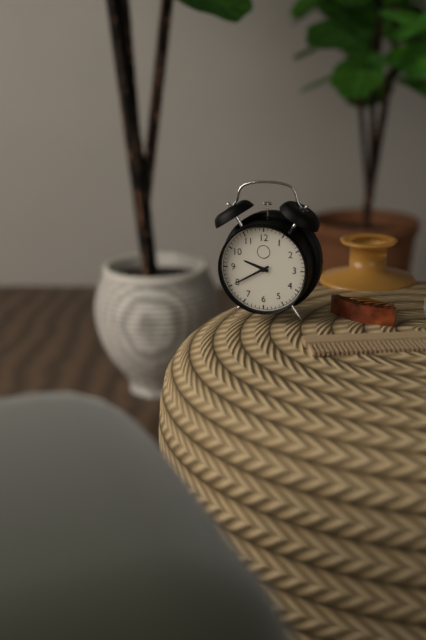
{"hour": 9, "minute": 40}
